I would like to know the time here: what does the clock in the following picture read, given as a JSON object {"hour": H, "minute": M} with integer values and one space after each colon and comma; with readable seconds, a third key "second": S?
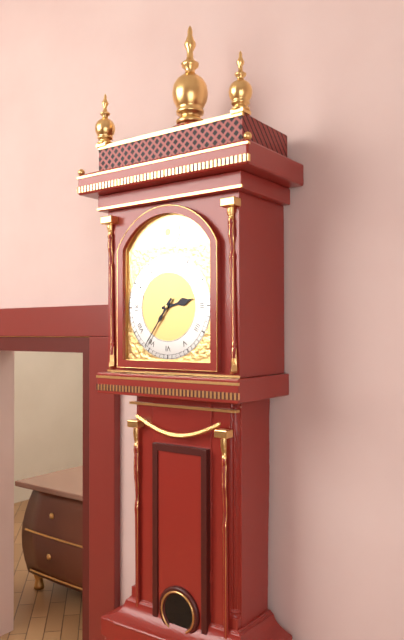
{"hour": 2, "minute": 36}
